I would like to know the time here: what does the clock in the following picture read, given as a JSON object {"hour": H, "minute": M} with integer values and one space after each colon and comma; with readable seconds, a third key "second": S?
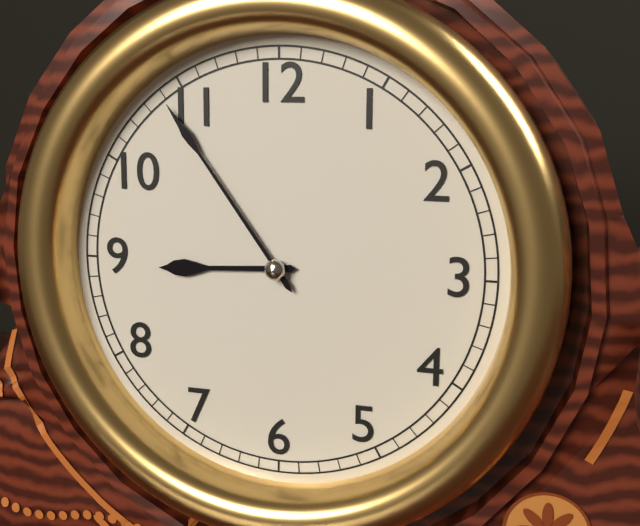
{"hour": 8, "minute": 54}
